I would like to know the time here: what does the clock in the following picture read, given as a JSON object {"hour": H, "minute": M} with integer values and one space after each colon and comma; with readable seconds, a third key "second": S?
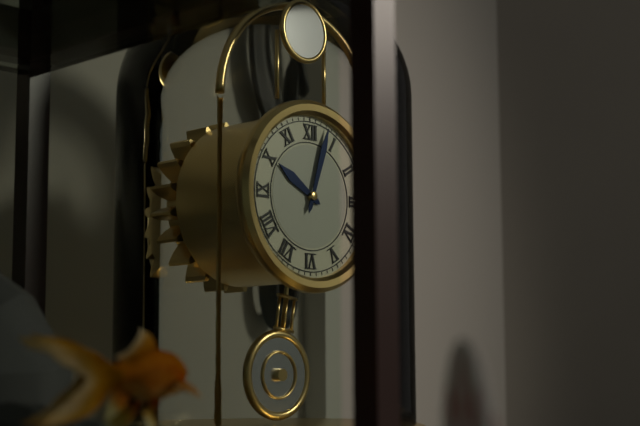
{"hour": 10, "minute": 3}
